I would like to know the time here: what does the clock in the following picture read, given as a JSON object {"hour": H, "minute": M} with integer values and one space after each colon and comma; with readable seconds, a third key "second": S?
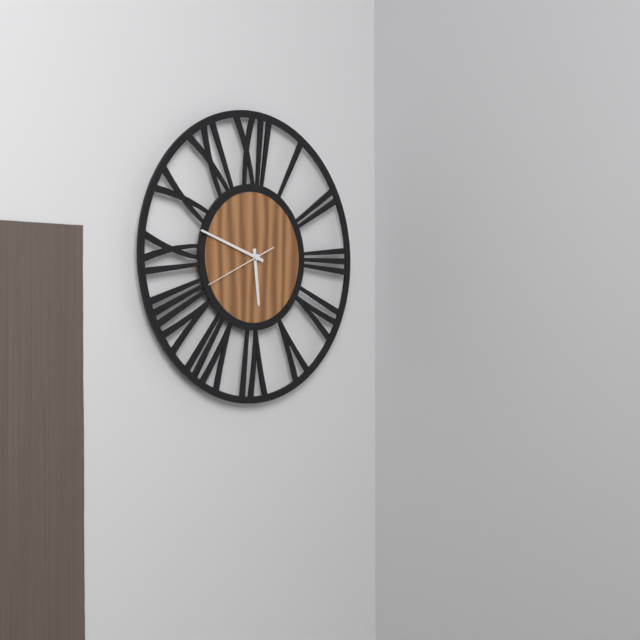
{"hour": 5, "minute": 48, "second": 41}
